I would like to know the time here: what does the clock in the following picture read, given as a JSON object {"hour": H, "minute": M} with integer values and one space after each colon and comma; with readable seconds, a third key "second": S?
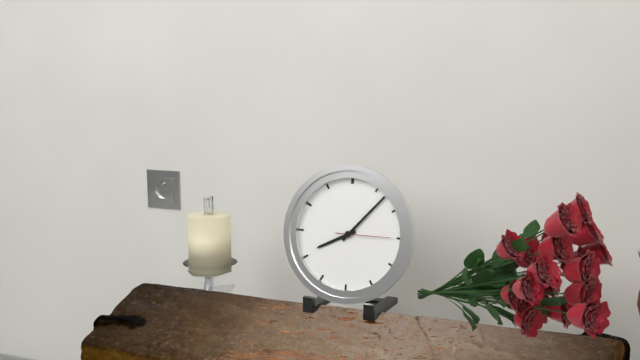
{"hour": 8, "minute": 7, "second": 15}
